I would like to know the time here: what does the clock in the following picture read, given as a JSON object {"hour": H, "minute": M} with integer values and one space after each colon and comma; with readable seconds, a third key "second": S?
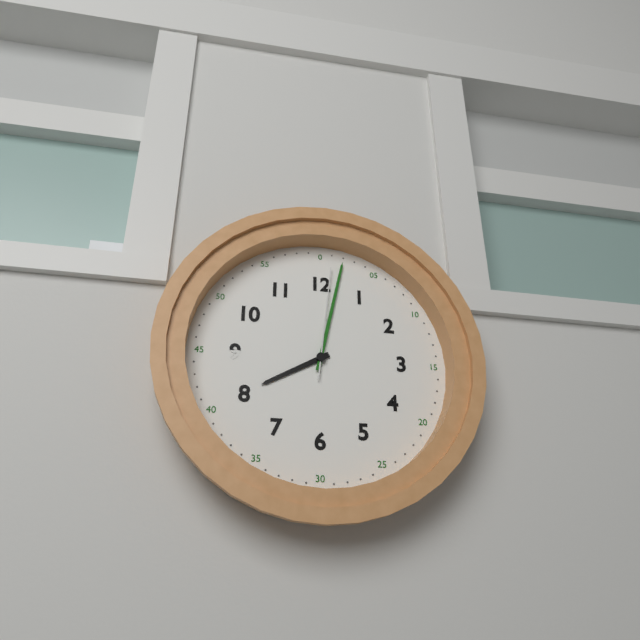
{"hour": 8, "minute": 2, "second": 1}
